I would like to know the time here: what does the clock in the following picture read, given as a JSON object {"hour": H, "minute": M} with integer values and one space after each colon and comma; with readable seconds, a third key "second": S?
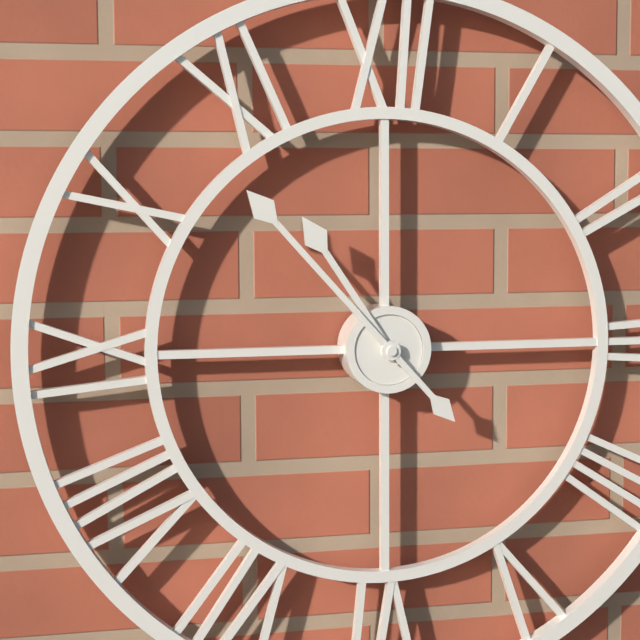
{"hour": 10, "minute": 53}
